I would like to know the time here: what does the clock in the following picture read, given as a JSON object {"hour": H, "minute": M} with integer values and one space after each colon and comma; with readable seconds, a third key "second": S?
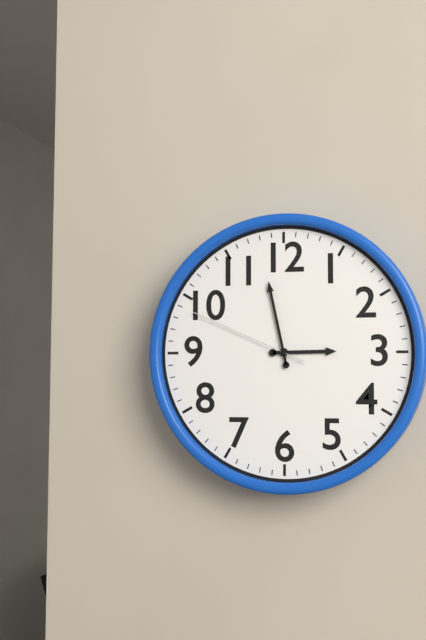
{"hour": 2, "minute": 58, "second": 49}
